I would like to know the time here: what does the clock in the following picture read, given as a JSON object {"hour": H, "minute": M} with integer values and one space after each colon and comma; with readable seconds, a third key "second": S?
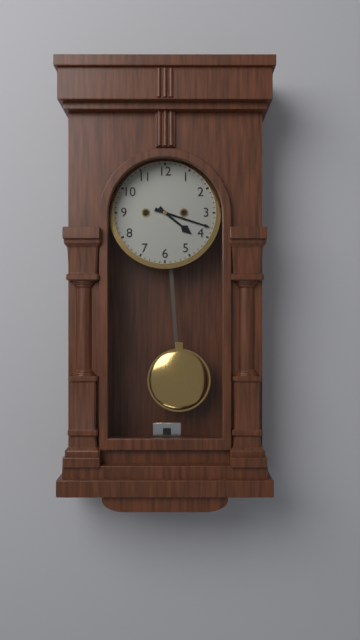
{"hour": 4, "minute": 18}
